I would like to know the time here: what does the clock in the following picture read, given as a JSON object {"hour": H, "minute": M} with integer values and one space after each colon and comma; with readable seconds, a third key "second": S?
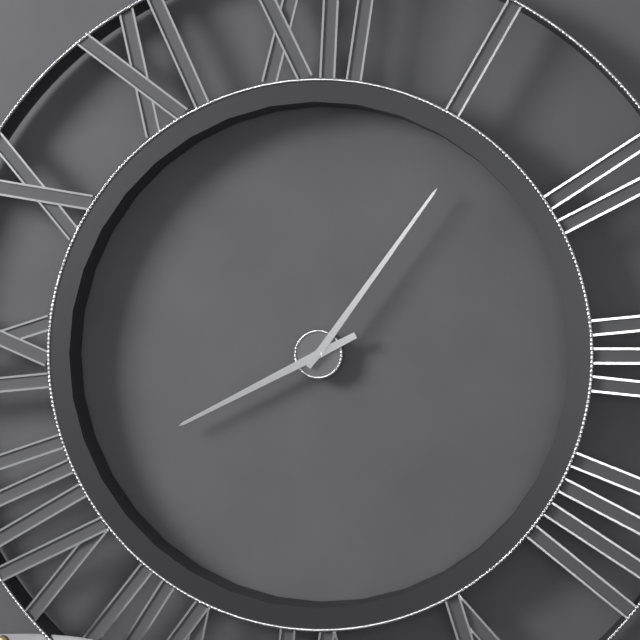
{"hour": 8, "minute": 6}
